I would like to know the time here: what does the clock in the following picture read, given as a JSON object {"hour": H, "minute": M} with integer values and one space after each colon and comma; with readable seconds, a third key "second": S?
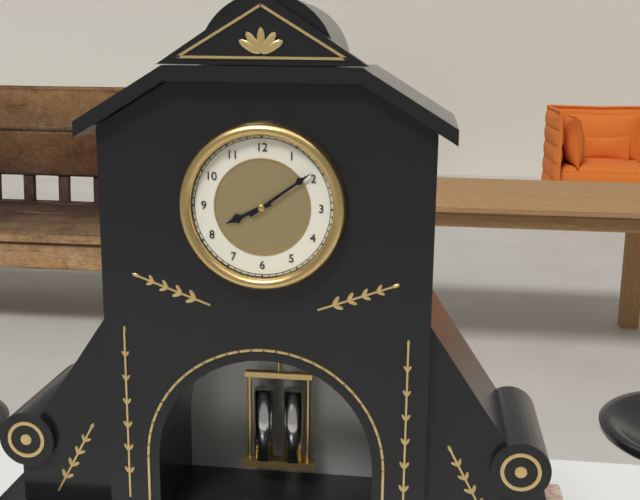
{"hour": 8, "minute": 9}
